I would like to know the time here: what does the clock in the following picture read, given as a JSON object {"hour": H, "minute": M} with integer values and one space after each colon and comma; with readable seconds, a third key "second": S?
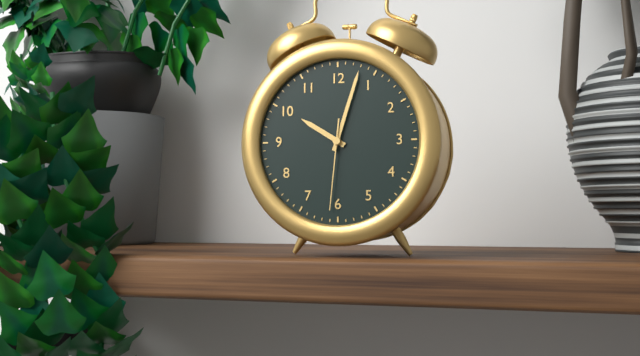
{"hour": 10, "minute": 3, "second": 31}
